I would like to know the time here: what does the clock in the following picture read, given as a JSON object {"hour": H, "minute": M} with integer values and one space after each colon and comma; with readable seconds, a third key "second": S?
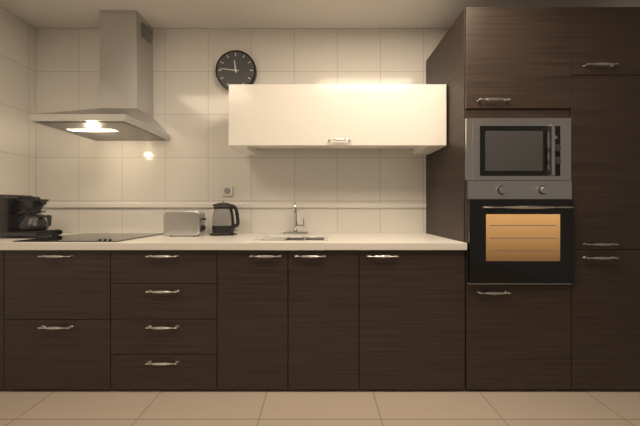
{"hour": 11, "minute": 46}
